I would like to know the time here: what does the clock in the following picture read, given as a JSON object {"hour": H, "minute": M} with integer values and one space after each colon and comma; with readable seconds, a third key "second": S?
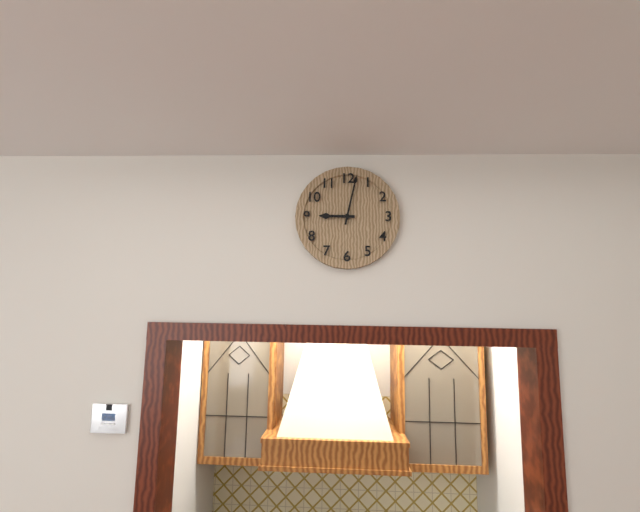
{"hour": 9, "minute": 2}
